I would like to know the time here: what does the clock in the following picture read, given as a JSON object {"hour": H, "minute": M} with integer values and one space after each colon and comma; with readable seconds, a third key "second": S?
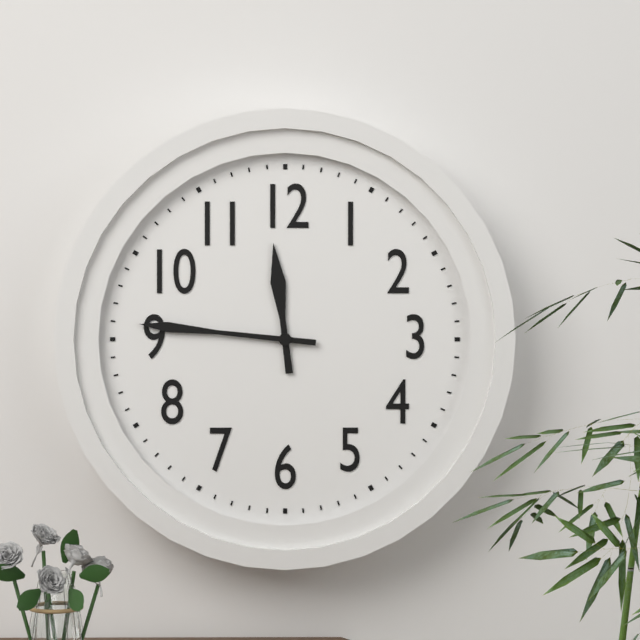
{"hour": 11, "minute": 46}
